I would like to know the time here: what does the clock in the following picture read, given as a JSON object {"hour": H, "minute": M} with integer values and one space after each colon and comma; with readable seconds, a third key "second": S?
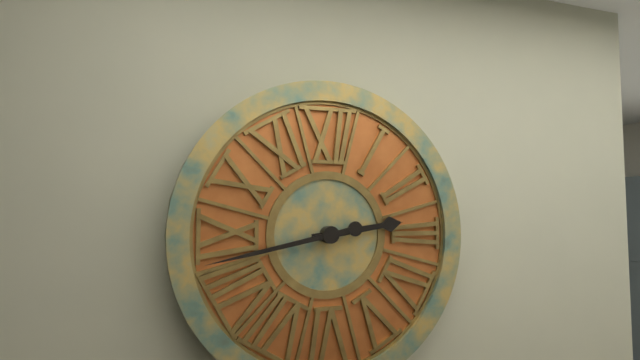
{"hour": 2, "minute": 43}
